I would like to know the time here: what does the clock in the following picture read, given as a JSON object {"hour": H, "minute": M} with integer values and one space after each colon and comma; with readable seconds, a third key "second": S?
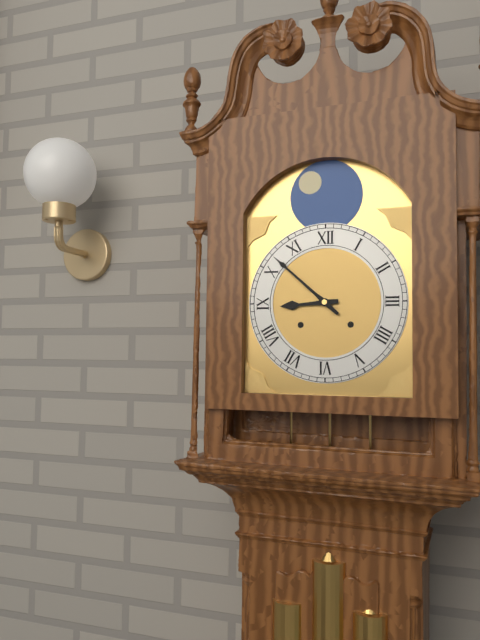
{"hour": 8, "minute": 52}
